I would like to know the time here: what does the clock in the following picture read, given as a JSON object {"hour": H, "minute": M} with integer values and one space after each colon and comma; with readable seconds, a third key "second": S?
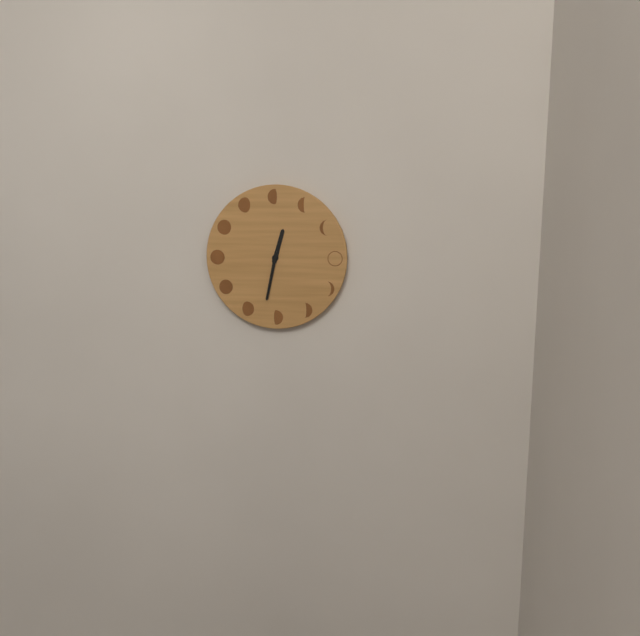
{"hour": 12, "minute": 32}
